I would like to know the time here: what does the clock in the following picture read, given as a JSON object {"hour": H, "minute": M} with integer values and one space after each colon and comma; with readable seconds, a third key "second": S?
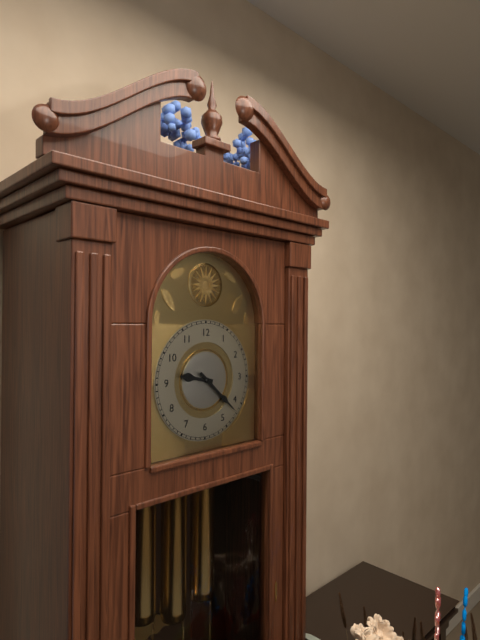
{"hour": 9, "minute": 22}
